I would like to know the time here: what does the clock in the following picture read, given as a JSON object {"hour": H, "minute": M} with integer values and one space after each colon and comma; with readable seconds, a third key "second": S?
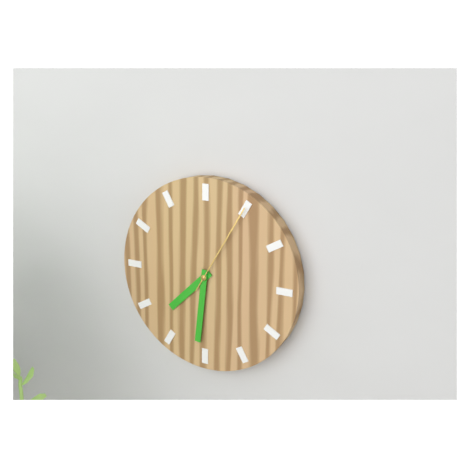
{"hour": 7, "minute": 31, "second": 5}
